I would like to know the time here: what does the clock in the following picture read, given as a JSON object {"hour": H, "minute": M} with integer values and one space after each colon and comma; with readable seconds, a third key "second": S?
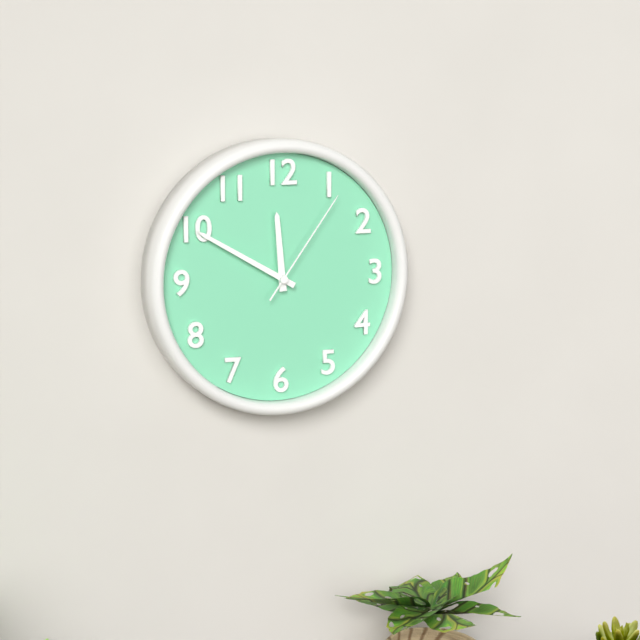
{"hour": 11, "minute": 50, "second": 6}
